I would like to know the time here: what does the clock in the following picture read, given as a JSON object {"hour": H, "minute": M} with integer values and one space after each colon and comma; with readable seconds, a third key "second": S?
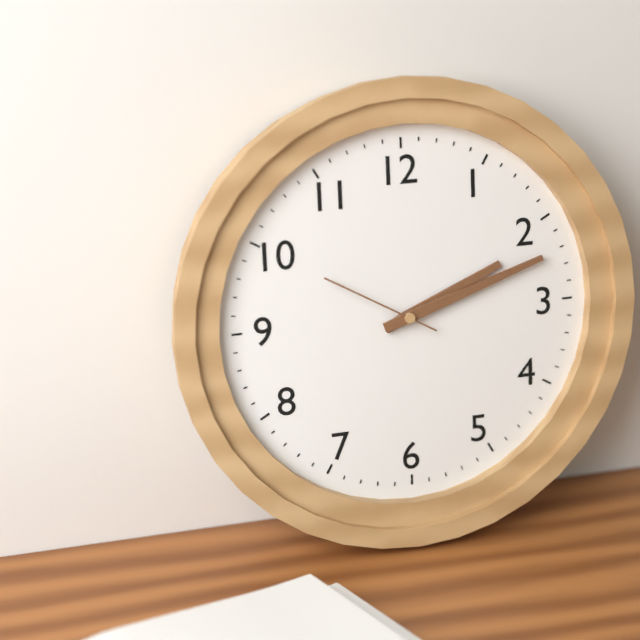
{"hour": 2, "minute": 12, "second": 50}
